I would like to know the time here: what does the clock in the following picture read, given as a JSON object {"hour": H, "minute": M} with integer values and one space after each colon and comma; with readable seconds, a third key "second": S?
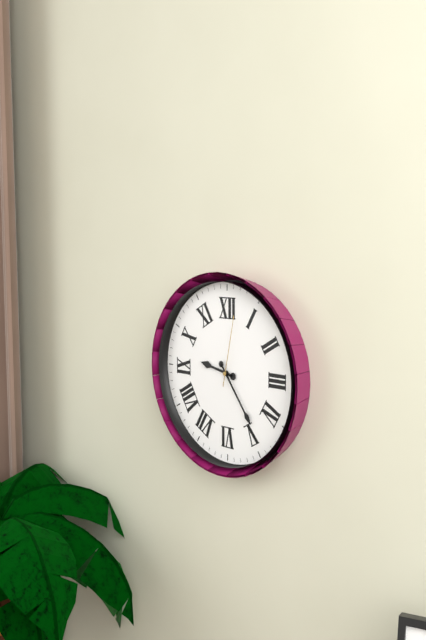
{"hour": 9, "minute": 24, "second": 2}
